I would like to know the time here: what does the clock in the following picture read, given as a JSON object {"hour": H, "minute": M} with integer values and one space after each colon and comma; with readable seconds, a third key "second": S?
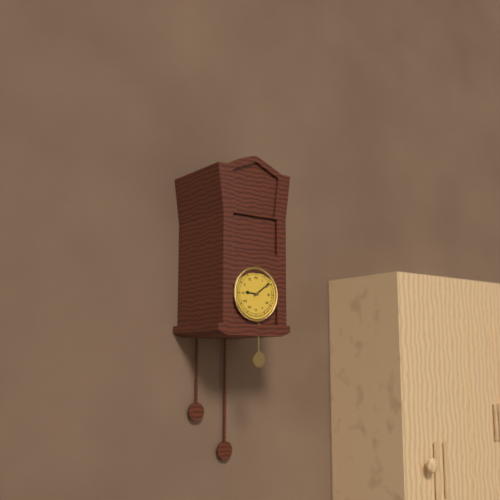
{"hour": 9, "minute": 9}
